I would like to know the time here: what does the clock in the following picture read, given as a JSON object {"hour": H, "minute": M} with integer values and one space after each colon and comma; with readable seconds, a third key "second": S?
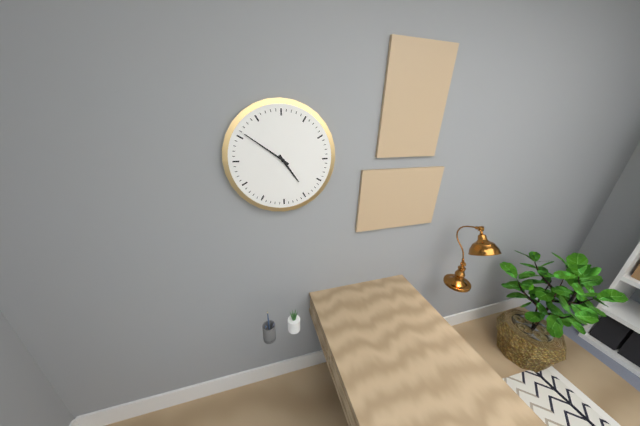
{"hour": 4, "minute": 51}
